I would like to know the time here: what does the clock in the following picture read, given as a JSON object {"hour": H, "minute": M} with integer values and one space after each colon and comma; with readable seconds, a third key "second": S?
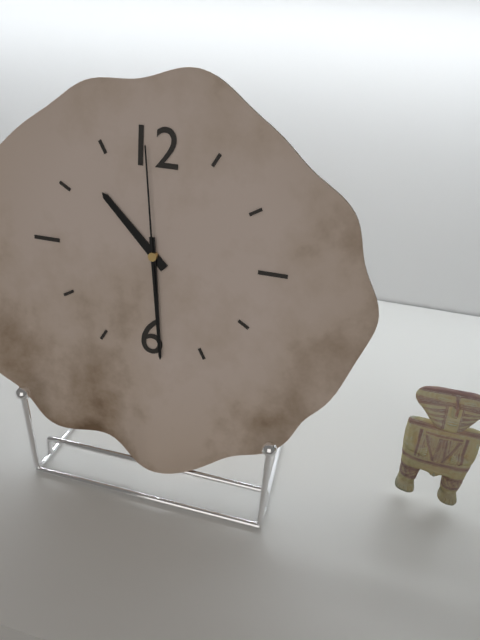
{"hour": 10, "minute": 29, "second": 59}
